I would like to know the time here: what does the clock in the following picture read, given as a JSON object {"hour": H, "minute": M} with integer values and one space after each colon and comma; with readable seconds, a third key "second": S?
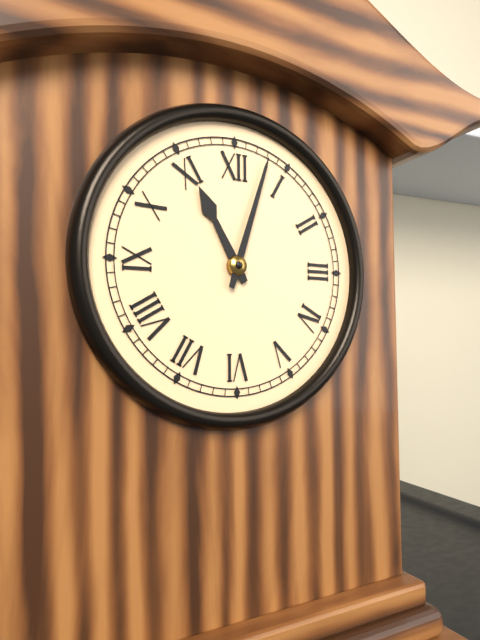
{"hour": 11, "minute": 3}
